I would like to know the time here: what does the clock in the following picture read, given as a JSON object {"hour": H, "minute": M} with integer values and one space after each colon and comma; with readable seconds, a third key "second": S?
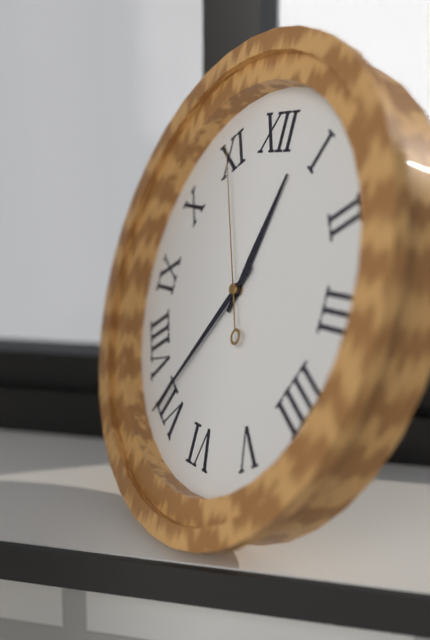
{"hour": 12, "minute": 36, "second": 55}
